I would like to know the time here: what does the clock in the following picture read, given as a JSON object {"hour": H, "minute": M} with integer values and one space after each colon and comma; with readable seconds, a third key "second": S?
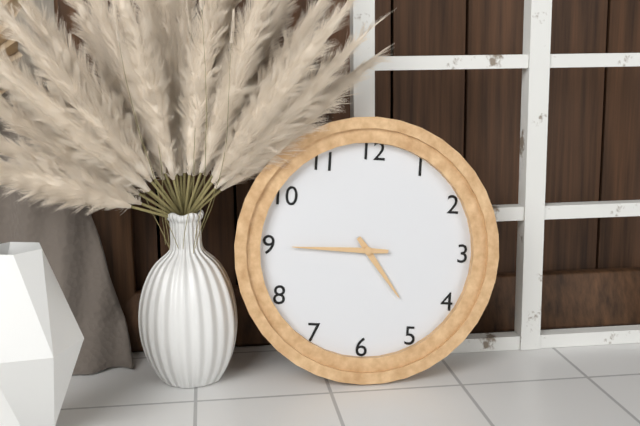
{"hour": 4, "minute": 45}
